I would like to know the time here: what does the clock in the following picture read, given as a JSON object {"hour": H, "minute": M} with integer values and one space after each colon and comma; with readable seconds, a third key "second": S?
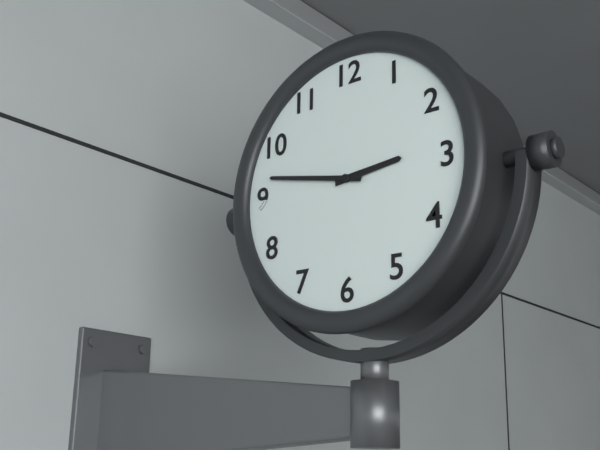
{"hour": 2, "minute": 47}
